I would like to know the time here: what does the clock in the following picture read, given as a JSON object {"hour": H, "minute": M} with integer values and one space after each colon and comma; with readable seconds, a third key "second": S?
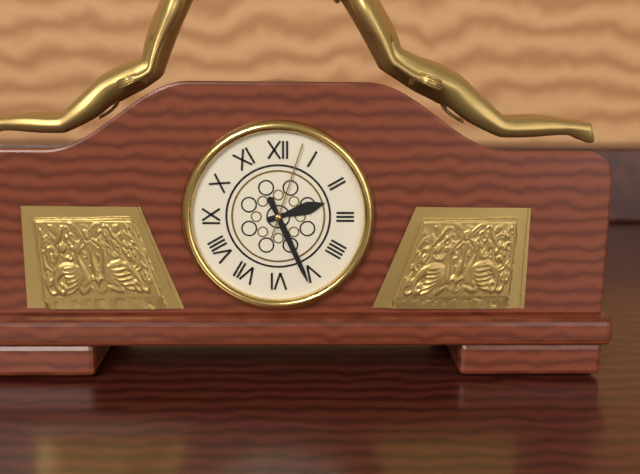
{"hour": 2, "minute": 26, "second": 3}
